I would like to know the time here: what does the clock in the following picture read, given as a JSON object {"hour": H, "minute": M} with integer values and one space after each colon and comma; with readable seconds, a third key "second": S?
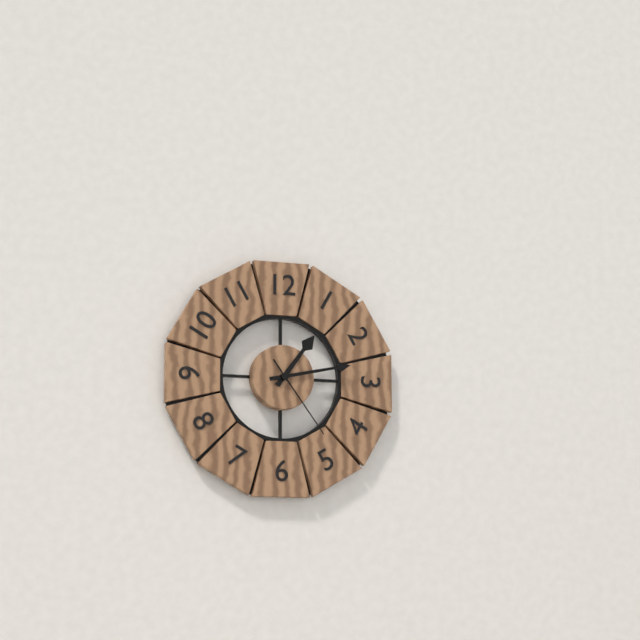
{"hour": 1, "minute": 13, "second": 24}
